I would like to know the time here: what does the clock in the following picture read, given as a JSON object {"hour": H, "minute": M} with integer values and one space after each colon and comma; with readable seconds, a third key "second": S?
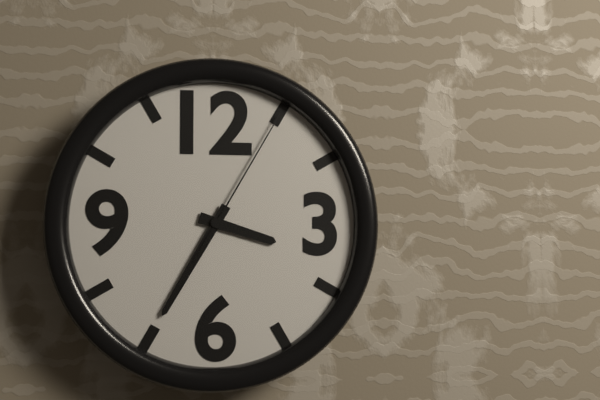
{"hour": 3, "minute": 35, "second": 5}
